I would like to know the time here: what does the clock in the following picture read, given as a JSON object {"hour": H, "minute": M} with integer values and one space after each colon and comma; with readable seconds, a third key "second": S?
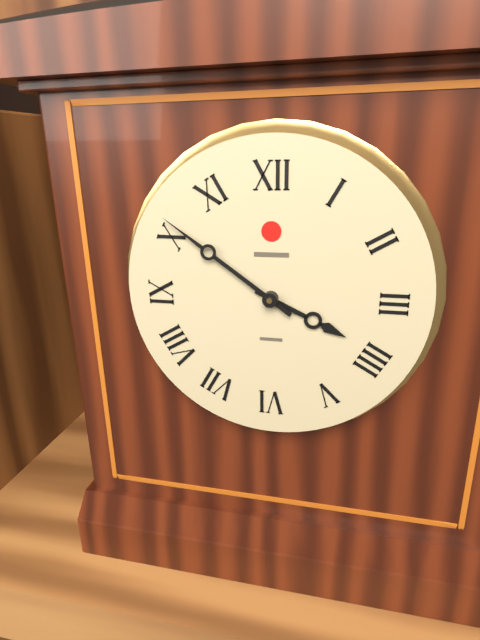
{"hour": 3, "minute": 51}
